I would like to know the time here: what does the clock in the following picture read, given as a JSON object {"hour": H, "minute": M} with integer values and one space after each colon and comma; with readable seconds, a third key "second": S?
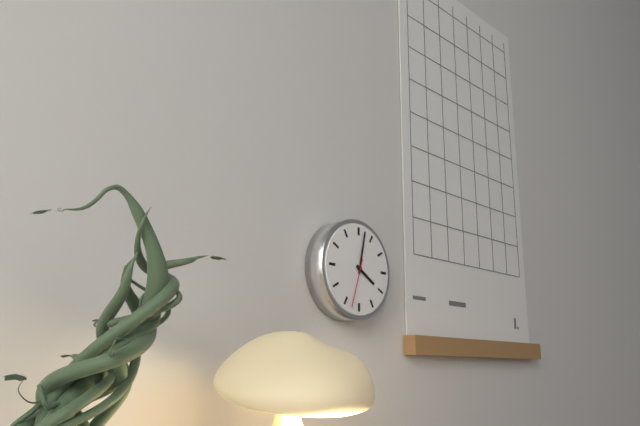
{"hour": 4, "minute": 2}
